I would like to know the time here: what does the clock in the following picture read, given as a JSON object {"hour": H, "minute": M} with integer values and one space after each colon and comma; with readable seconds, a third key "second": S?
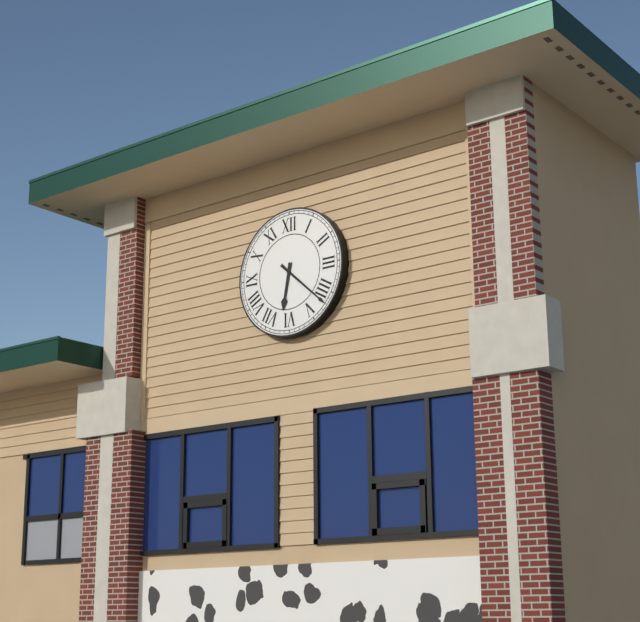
{"hour": 6, "minute": 22}
